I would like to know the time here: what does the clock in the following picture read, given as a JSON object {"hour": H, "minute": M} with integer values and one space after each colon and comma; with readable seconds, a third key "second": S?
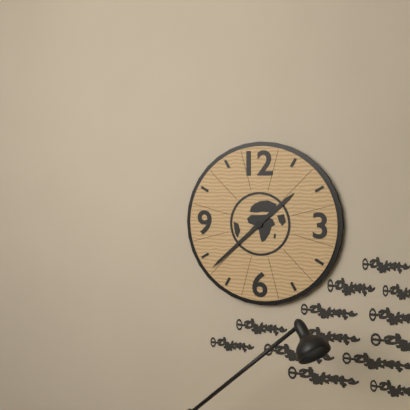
{"hour": 1, "minute": 38}
